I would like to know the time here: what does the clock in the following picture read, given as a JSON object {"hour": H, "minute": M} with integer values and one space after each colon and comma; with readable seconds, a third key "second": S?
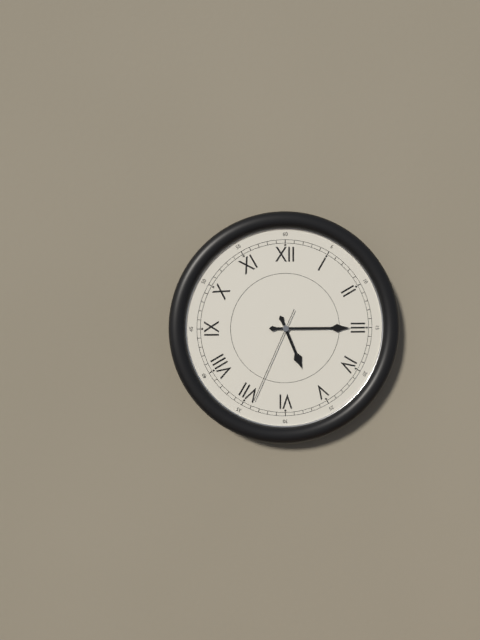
{"hour": 5, "minute": 15, "second": 34}
